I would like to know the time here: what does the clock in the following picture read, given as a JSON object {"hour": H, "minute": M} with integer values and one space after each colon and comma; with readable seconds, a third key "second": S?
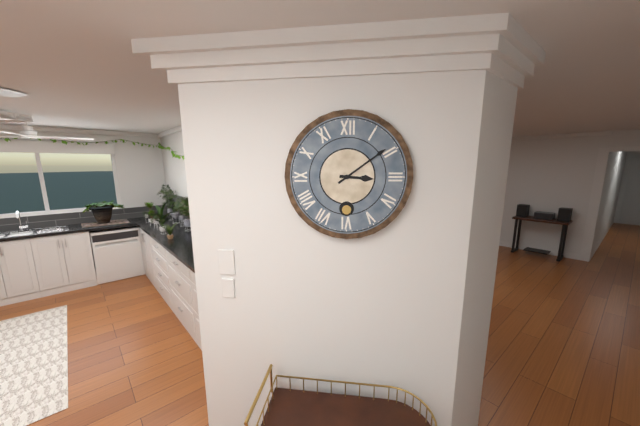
{"hour": 3, "minute": 9}
